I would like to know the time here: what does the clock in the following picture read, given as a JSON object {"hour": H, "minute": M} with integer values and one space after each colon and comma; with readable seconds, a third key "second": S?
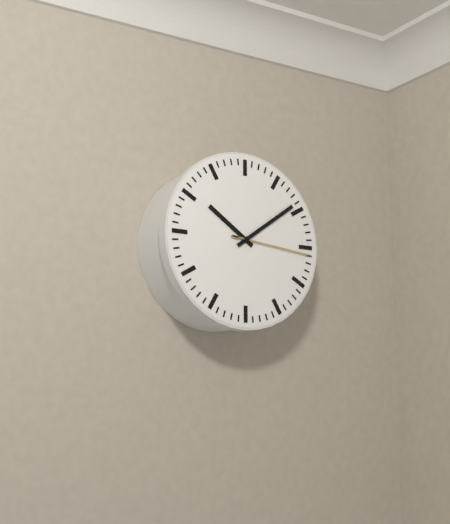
{"hour": 10, "minute": 9, "second": 16}
